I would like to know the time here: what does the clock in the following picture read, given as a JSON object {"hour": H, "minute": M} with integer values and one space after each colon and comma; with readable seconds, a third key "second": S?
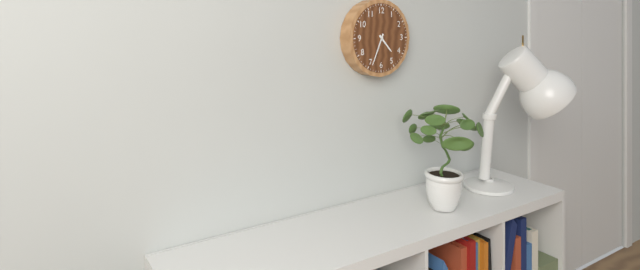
{"hour": 4, "minute": 34}
